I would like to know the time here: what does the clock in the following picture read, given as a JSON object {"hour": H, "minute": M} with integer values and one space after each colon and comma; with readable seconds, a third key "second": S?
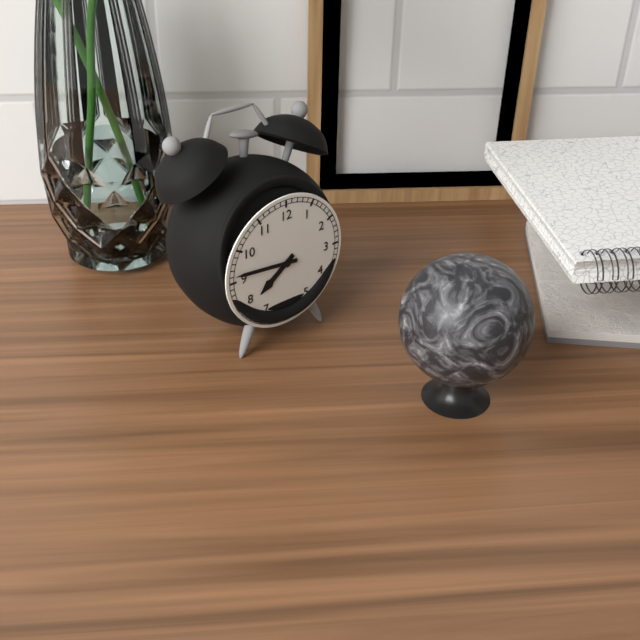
{"hour": 7, "minute": 46}
